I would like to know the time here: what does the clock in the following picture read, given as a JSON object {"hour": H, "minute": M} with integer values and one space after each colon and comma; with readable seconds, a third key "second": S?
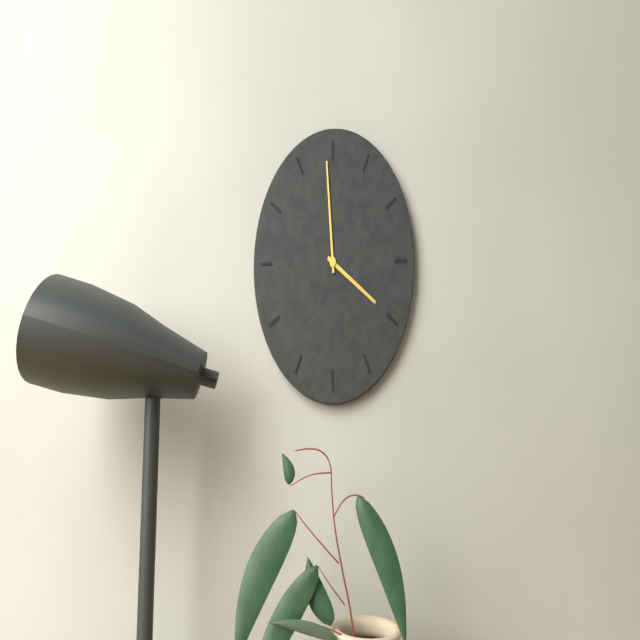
{"hour": 3, "minute": 59}
